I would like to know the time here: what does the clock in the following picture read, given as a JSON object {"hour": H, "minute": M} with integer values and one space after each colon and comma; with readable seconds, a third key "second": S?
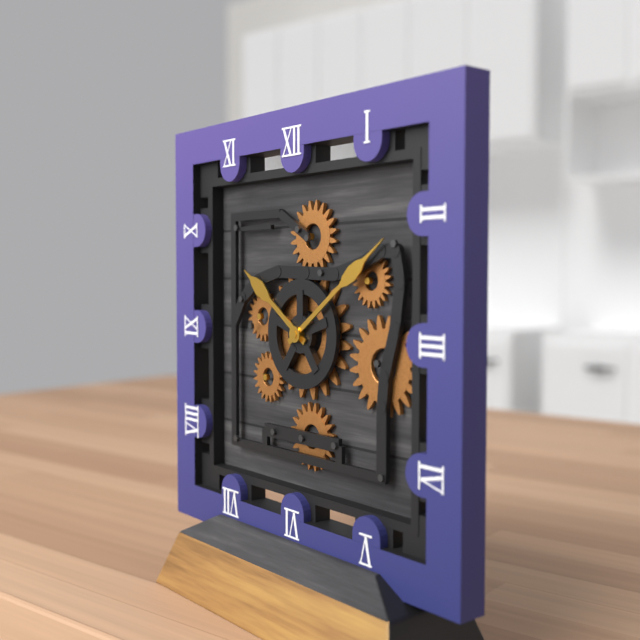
{"hour": 10, "minute": 9}
